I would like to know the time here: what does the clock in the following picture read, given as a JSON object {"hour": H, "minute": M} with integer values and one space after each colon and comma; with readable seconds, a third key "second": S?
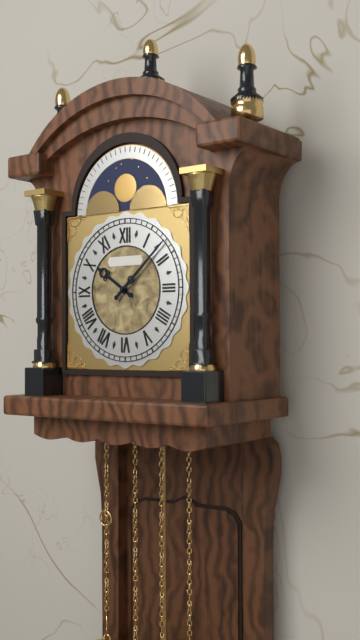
{"hour": 10, "minute": 8}
